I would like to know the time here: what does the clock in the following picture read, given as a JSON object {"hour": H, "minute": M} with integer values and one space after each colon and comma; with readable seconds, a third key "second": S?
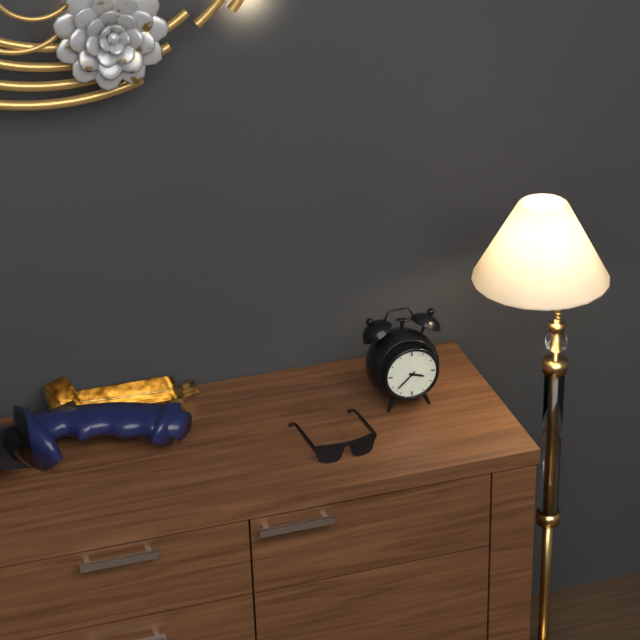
{"hour": 3, "minute": 38}
